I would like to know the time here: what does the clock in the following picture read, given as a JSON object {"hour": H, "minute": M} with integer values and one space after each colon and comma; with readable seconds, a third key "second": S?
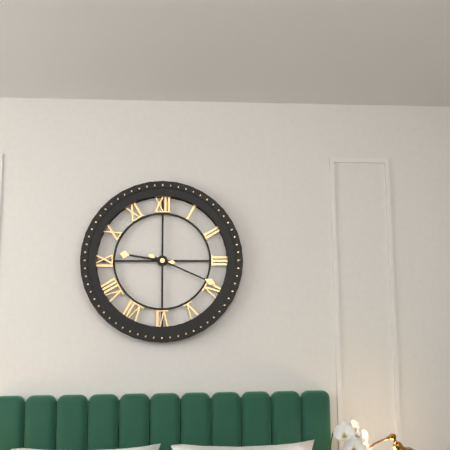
{"hour": 9, "minute": 19}
